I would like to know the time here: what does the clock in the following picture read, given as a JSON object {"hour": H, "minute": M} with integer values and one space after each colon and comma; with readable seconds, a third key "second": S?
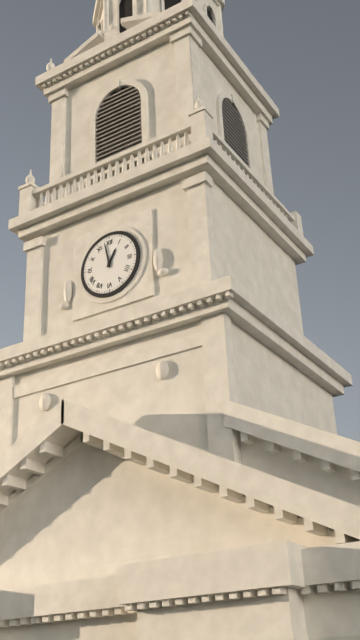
{"hour": 12, "minute": 58}
